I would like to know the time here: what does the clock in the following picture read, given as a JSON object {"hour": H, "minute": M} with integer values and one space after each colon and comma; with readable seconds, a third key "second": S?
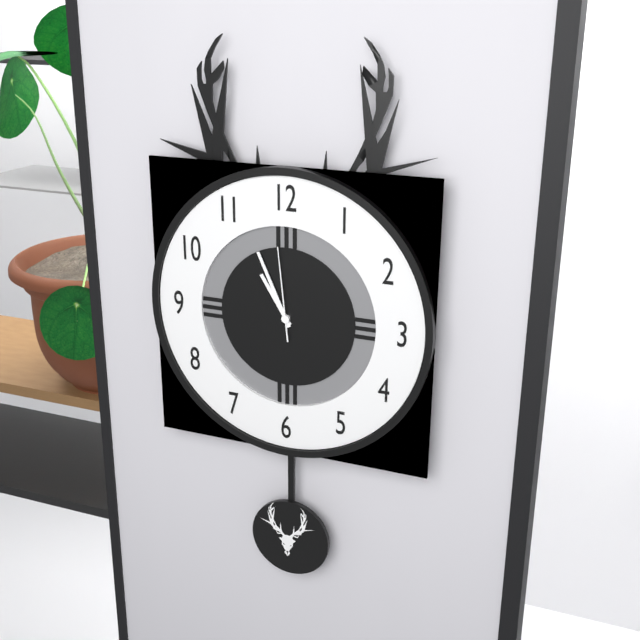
{"hour": 10, "minute": 56, "second": 59}
